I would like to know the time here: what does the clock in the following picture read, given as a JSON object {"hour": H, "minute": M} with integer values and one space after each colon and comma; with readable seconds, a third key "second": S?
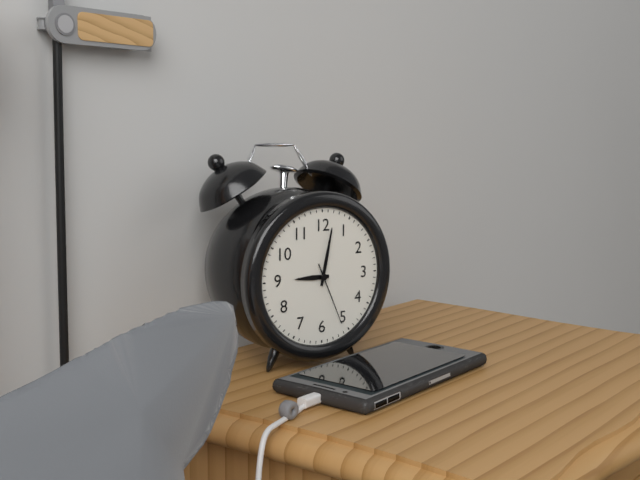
{"hour": 9, "minute": 2, "second": 26}
